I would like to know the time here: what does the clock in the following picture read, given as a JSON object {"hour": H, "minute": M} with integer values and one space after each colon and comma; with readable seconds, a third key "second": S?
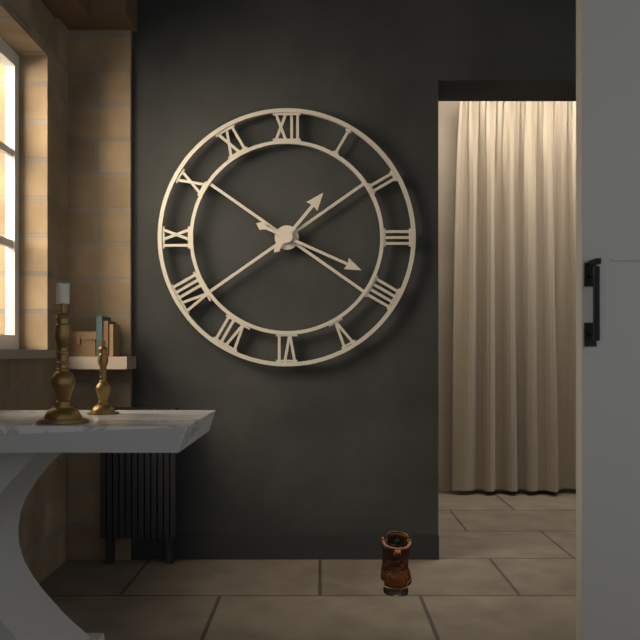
{"hour": 1, "minute": 19}
